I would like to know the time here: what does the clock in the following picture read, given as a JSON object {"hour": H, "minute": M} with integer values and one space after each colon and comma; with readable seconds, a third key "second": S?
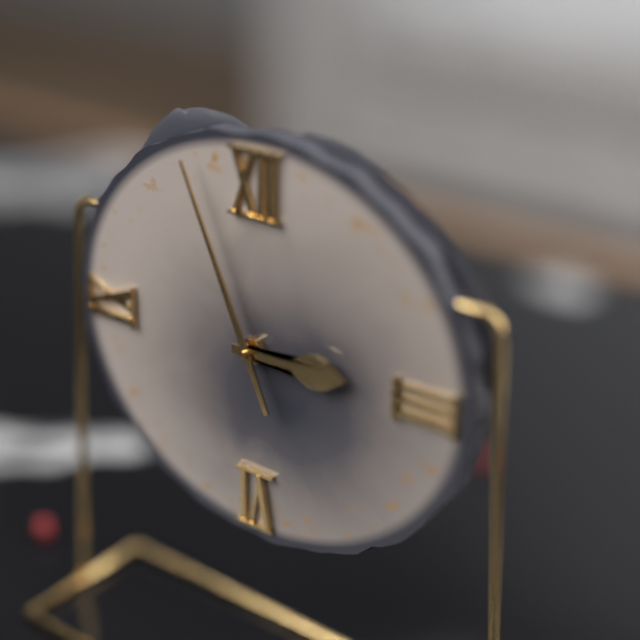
{"hour": 2, "minute": 56}
